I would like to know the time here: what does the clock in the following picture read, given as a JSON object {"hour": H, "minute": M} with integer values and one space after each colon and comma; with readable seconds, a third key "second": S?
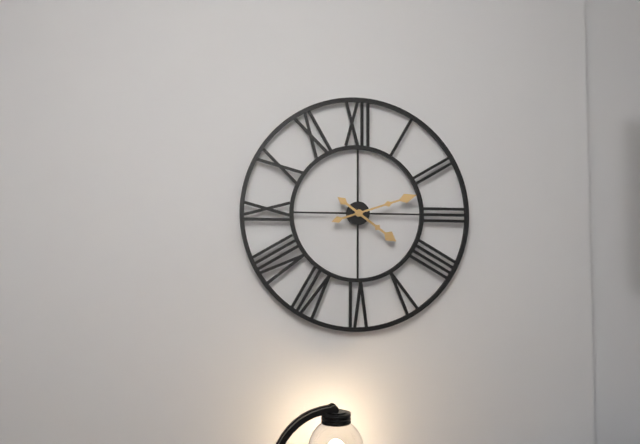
{"hour": 4, "minute": 12}
